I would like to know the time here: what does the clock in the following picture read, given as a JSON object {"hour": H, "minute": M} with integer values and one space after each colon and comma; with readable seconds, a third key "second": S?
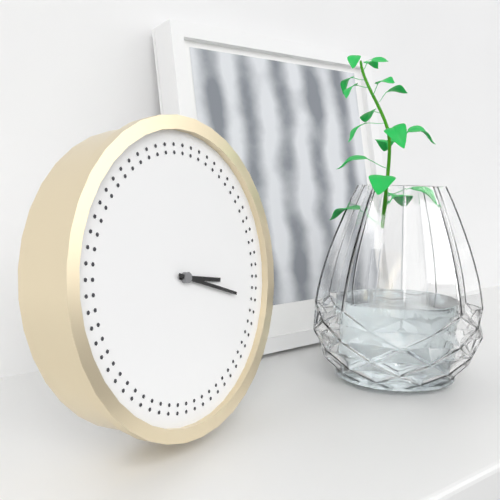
{"hour": 3, "minute": 18}
